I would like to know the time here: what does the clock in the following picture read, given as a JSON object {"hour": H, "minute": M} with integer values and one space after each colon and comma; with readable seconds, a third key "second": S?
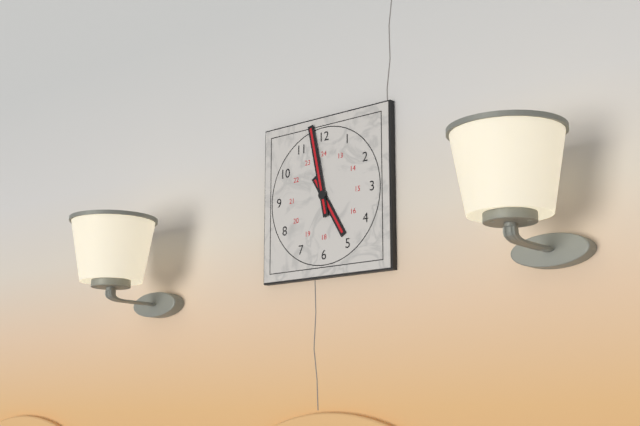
{"hour": 4, "minute": 58}
